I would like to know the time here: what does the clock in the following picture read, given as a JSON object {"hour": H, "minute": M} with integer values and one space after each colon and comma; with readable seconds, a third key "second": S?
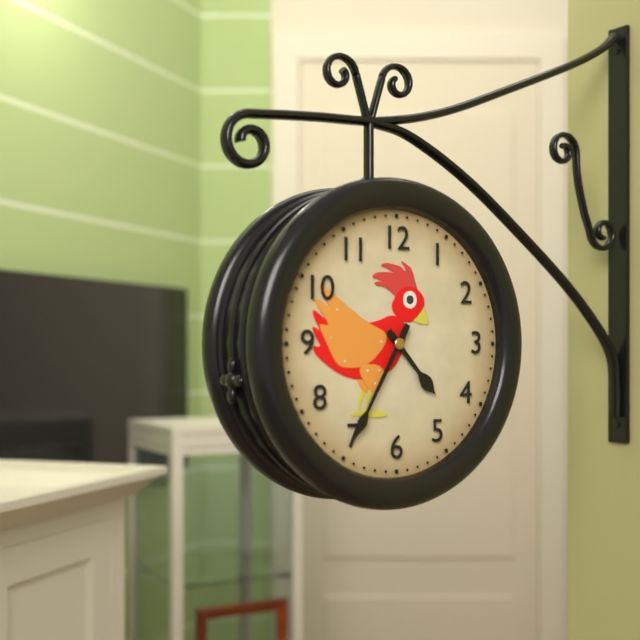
{"hour": 4, "minute": 35}
